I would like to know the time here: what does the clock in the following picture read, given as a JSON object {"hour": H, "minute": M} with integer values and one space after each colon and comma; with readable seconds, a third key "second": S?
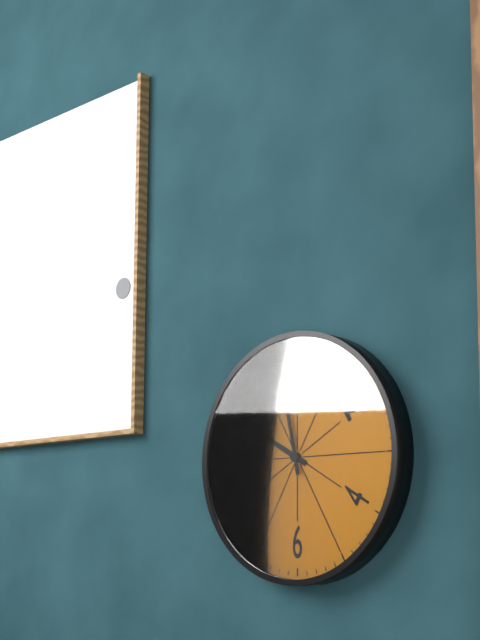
{"hour": 9, "minute": 58}
